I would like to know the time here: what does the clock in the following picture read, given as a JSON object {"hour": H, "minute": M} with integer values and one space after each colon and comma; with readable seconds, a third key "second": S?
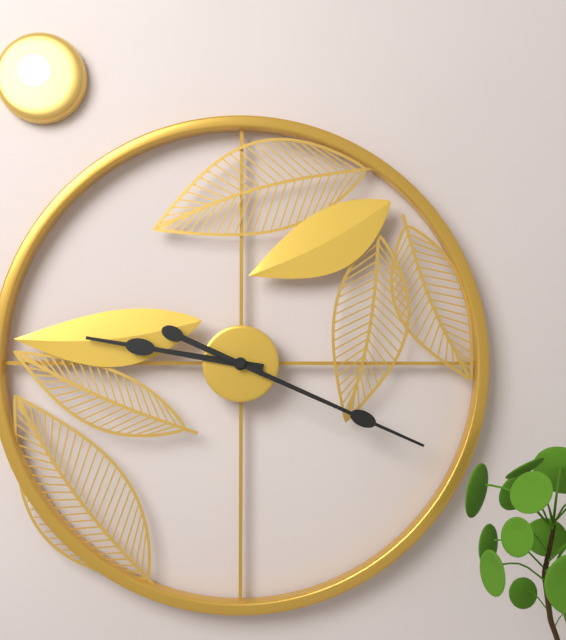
{"hour": 9, "minute": 19}
